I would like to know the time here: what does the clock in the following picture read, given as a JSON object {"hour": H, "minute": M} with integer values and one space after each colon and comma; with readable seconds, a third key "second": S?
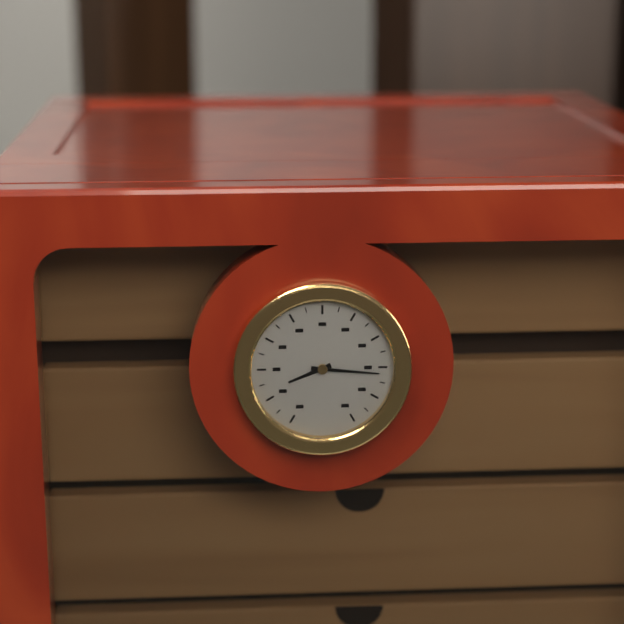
{"hour": 8, "minute": 16}
